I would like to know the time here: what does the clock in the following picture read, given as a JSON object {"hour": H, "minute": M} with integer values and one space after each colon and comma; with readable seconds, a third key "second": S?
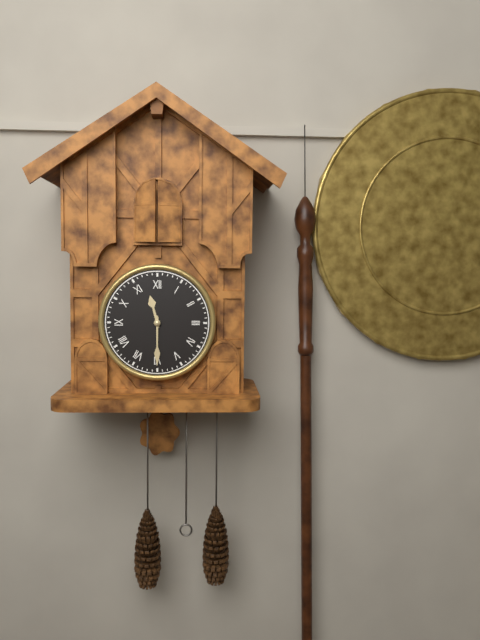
{"hour": 11, "minute": 30}
